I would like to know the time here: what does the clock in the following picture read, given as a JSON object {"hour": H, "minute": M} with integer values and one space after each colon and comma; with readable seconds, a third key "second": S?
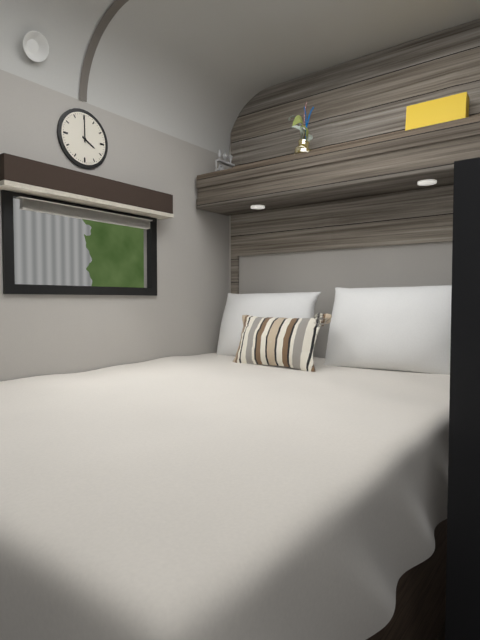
{"hour": 4, "minute": 0}
